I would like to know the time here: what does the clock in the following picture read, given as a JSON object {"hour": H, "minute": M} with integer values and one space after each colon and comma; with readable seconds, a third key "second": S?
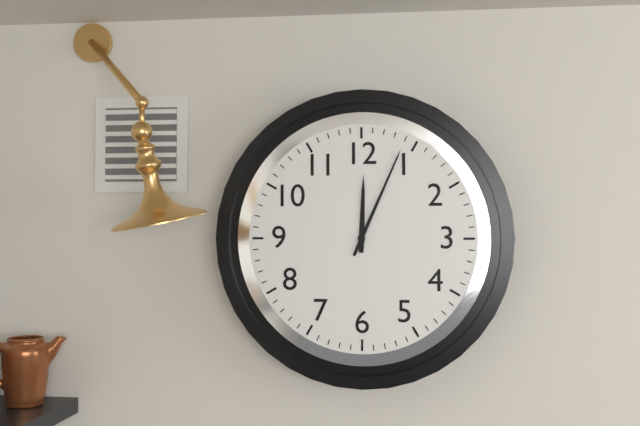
{"hour": 12, "minute": 4}
